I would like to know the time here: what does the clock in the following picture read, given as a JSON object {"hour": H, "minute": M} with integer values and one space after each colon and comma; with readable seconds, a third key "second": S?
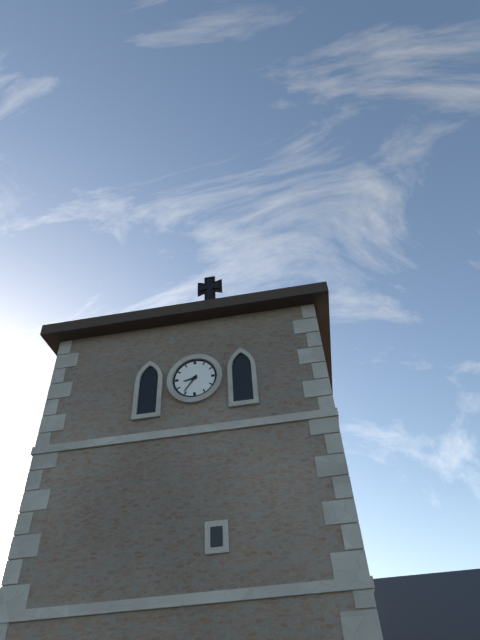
{"hour": 8, "minute": 36}
